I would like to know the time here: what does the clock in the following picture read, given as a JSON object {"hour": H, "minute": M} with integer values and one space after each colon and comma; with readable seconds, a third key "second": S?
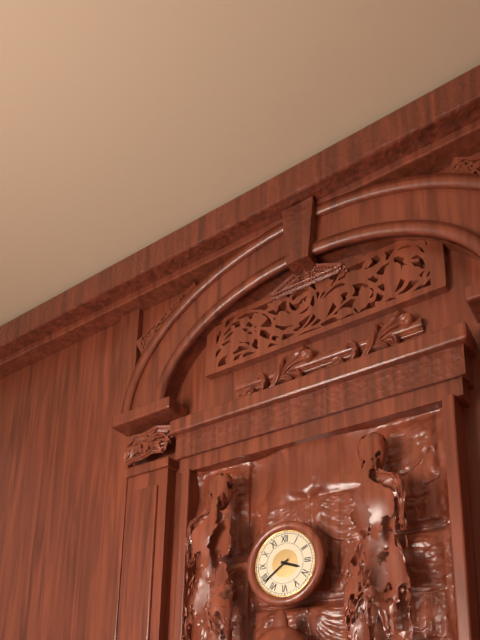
{"hour": 3, "minute": 39}
